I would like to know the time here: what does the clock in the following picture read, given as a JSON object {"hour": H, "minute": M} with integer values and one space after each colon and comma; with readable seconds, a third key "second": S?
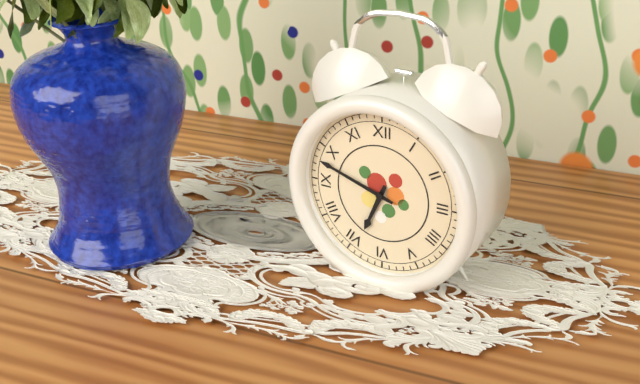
{"hour": 6, "minute": 48}
